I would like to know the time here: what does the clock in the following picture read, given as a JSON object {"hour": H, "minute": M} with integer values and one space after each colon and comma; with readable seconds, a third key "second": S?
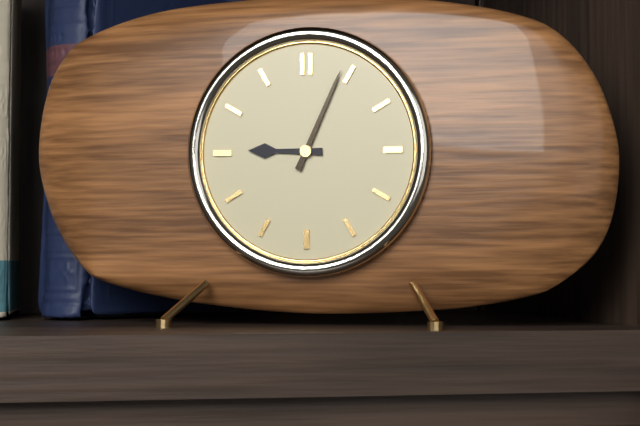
{"hour": 9, "minute": 4}
